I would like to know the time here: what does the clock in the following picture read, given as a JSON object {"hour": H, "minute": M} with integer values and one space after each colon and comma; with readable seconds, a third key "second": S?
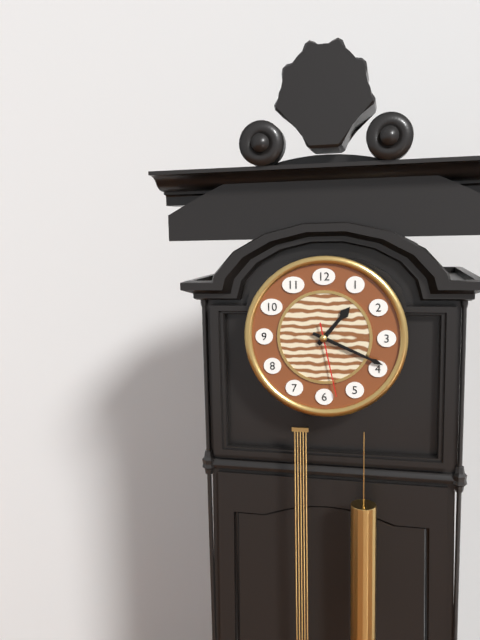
{"hour": 1, "minute": 19, "second": 28}
